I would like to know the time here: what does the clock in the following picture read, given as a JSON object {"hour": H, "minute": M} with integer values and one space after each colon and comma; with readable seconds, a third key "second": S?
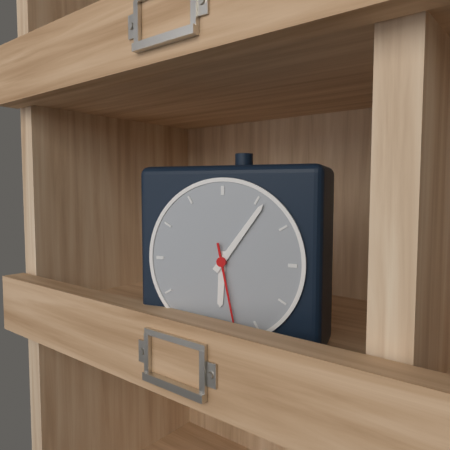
{"hour": 6, "minute": 6, "second": 28}
